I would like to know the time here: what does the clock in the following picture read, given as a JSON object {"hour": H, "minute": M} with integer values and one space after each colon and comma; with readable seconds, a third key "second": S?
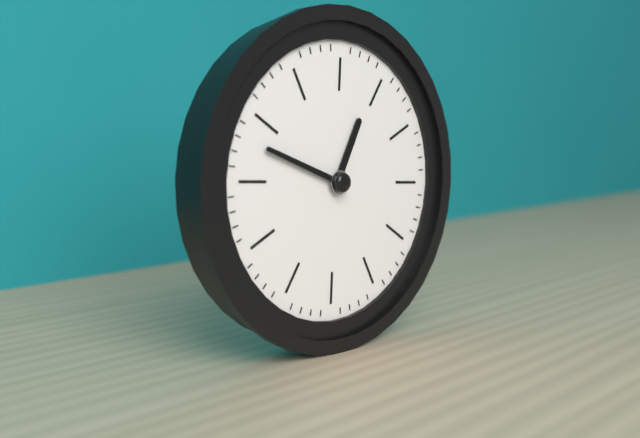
{"hour": 12, "minute": 48}
